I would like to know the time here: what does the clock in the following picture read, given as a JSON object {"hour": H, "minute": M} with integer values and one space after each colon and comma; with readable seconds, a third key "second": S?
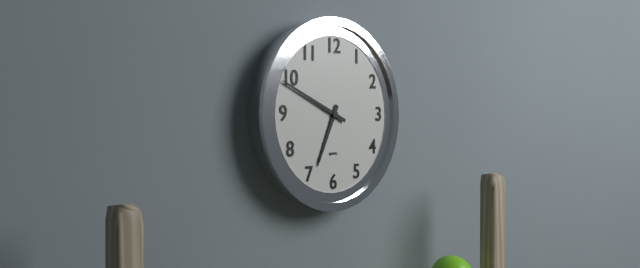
{"hour": 6, "minute": 49}
